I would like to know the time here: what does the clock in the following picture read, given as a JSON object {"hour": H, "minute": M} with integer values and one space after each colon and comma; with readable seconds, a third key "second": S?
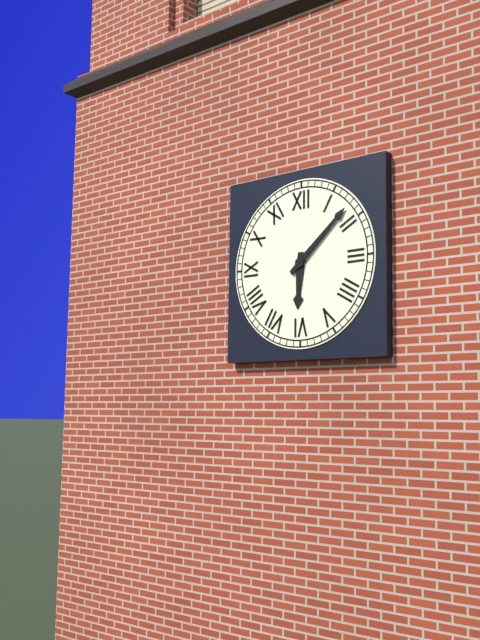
{"hour": 6, "minute": 8}
